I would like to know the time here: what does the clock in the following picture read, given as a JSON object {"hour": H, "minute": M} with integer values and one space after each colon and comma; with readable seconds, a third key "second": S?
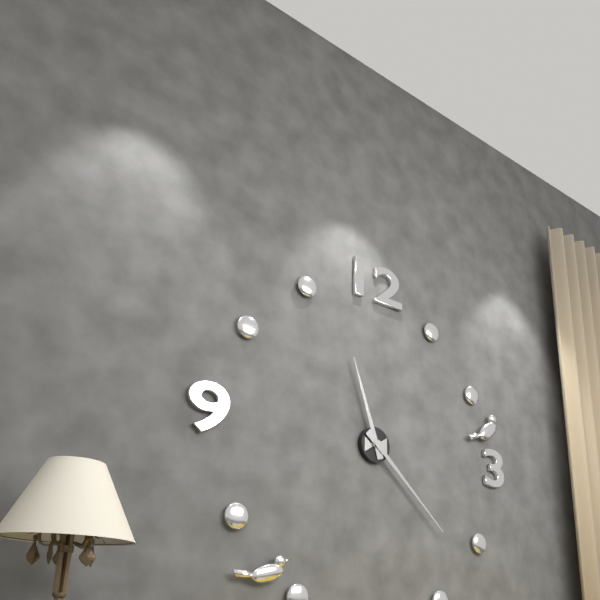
{"hour": 11, "minute": 22}
